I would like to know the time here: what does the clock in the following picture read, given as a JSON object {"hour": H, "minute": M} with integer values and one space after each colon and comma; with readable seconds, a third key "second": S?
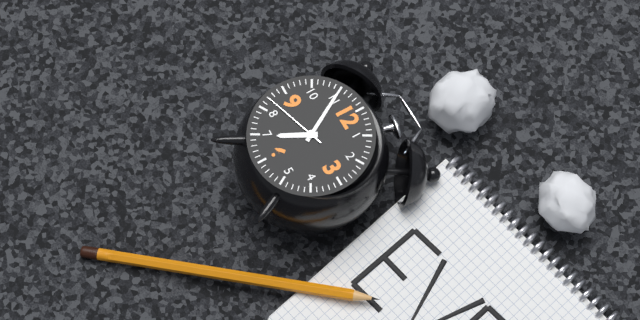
{"hour": 6, "minute": 55, "second": 42}
